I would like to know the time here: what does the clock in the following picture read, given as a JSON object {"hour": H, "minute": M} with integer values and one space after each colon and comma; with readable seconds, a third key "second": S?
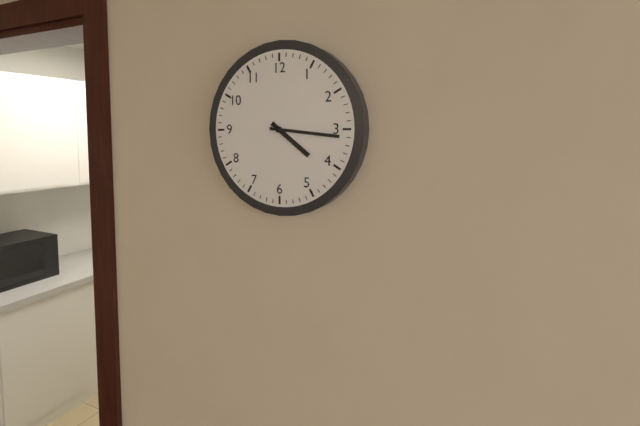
{"hour": 4, "minute": 16}
